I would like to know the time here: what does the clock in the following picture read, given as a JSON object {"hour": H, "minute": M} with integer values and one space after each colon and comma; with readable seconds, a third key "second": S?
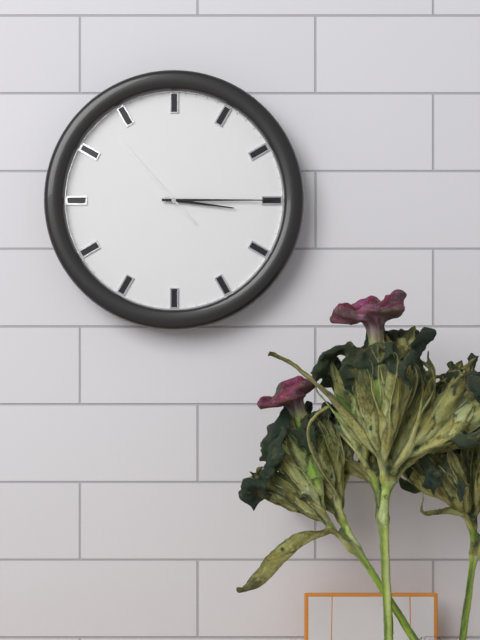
{"hour": 3, "minute": 15, "second": 53}
